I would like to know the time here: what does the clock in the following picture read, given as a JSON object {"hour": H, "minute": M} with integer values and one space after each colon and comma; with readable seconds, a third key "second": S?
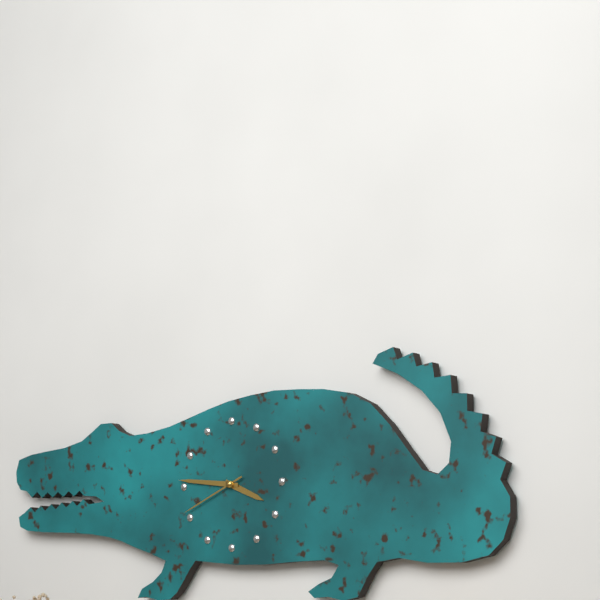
{"hour": 3, "minute": 46, "second": 41}
